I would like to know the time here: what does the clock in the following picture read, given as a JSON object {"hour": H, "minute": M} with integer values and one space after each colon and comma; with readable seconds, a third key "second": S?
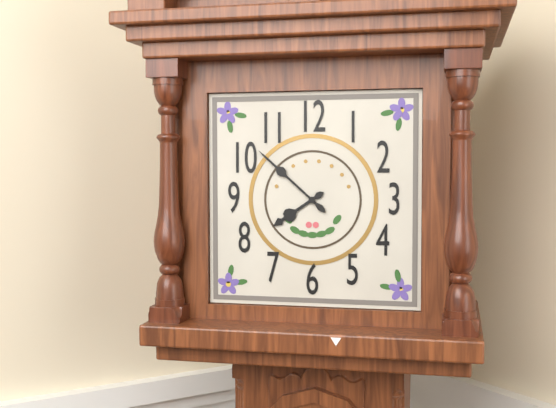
{"hour": 7, "minute": 52}
